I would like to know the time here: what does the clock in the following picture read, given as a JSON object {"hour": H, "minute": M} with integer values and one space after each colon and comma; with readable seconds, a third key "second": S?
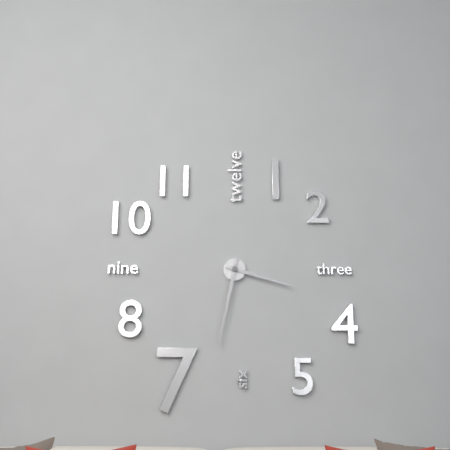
{"hour": 3, "minute": 32}
